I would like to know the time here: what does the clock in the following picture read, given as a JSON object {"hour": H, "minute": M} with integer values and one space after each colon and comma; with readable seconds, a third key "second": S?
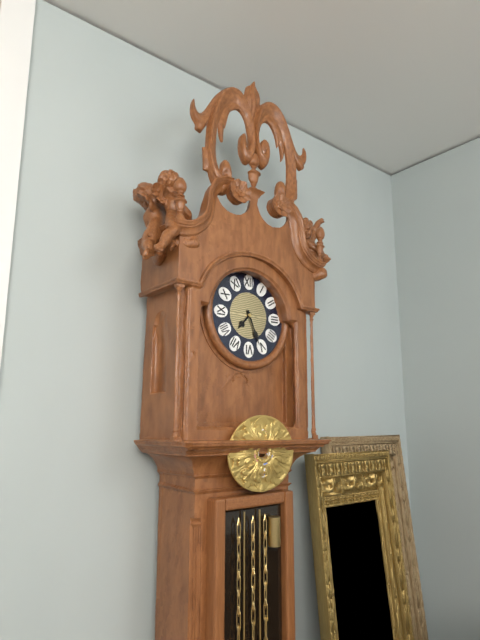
{"hour": 7, "minute": 26}
